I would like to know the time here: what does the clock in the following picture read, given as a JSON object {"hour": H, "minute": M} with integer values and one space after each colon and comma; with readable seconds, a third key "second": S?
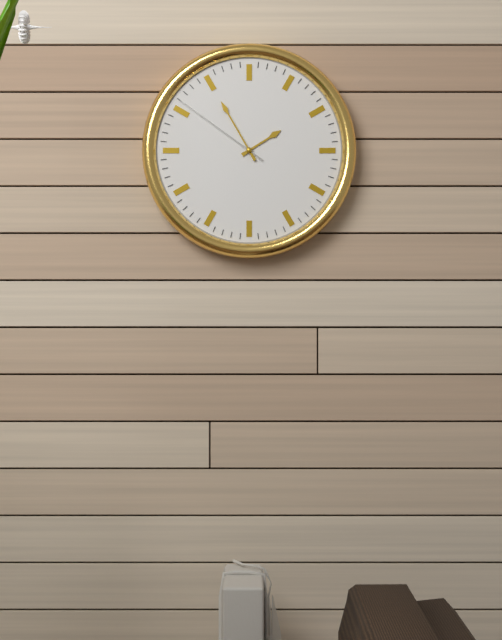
{"hour": 1, "minute": 55, "second": 51}
